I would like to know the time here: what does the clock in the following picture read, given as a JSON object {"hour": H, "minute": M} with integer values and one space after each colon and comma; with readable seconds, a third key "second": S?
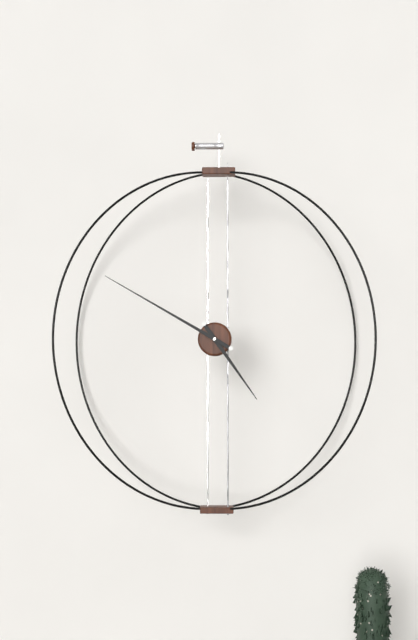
{"hour": 4, "minute": 50}
